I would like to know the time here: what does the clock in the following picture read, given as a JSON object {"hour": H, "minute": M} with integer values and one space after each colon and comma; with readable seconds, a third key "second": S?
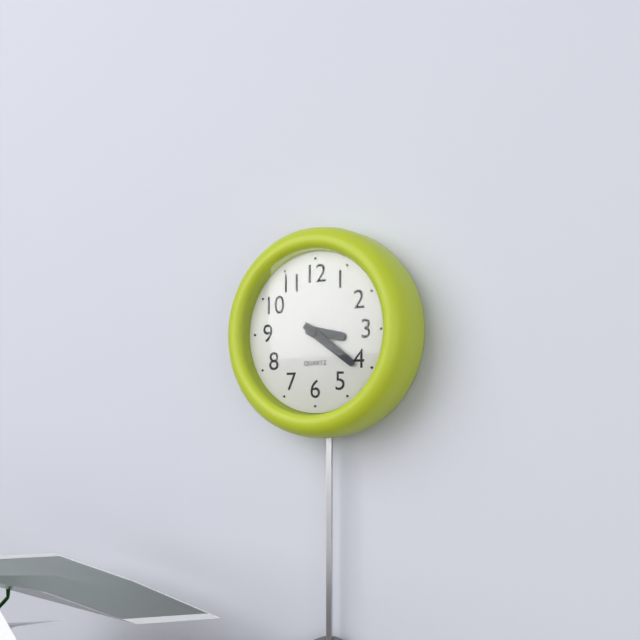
{"hour": 3, "minute": 21}
